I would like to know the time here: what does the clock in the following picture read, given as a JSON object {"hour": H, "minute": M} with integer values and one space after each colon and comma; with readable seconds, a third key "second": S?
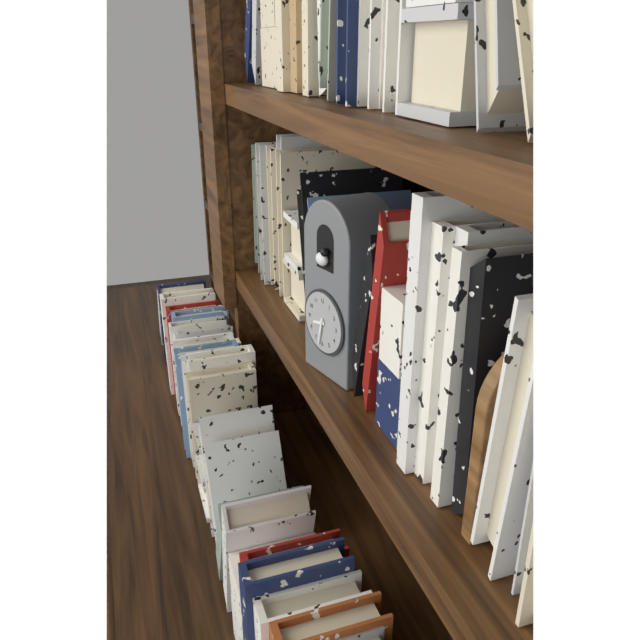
{"hour": 8, "minute": 32}
